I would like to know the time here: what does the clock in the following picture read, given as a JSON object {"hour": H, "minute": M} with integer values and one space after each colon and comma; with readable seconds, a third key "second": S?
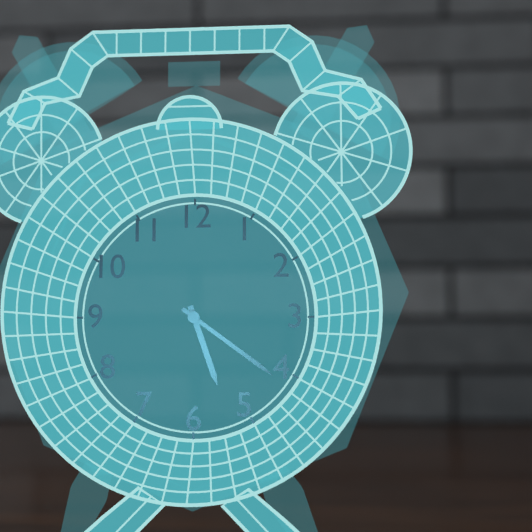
{"hour": 5, "minute": 21}
